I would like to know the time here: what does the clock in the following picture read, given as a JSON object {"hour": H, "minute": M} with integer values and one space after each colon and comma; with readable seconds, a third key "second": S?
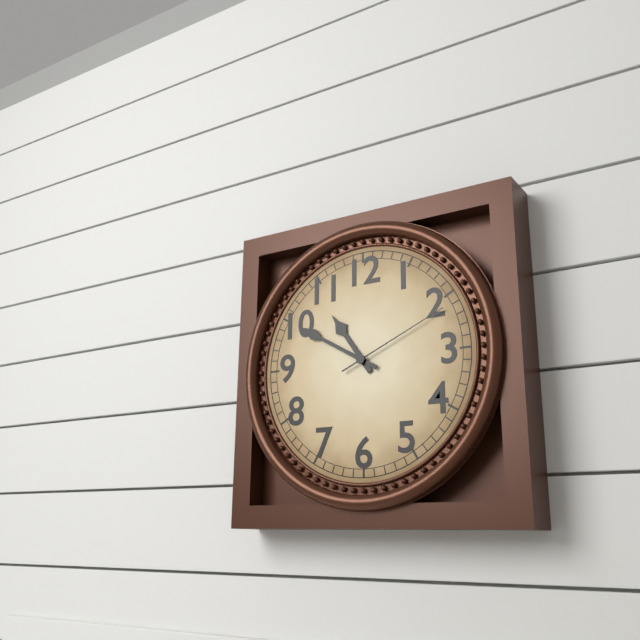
{"hour": 10, "minute": 50, "second": 11}
